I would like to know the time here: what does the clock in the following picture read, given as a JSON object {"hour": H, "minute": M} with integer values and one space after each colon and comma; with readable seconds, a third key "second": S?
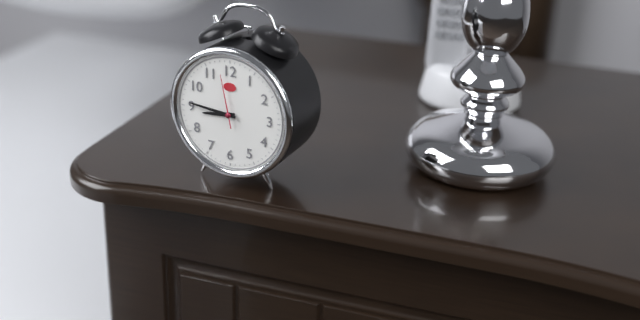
{"hour": 8, "minute": 46, "second": 58}
